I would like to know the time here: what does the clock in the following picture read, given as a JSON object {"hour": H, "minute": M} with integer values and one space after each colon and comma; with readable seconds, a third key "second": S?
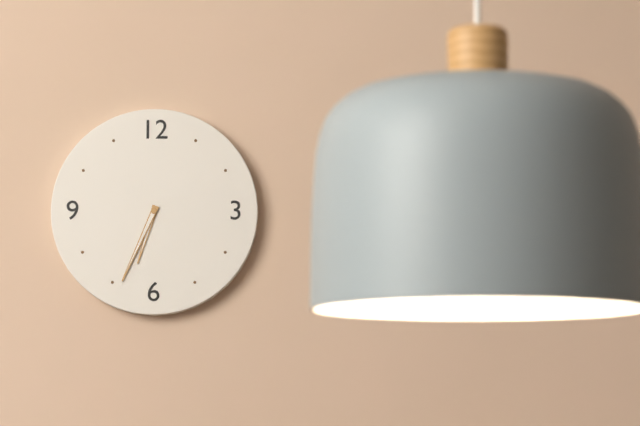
{"hour": 6, "minute": 34}
